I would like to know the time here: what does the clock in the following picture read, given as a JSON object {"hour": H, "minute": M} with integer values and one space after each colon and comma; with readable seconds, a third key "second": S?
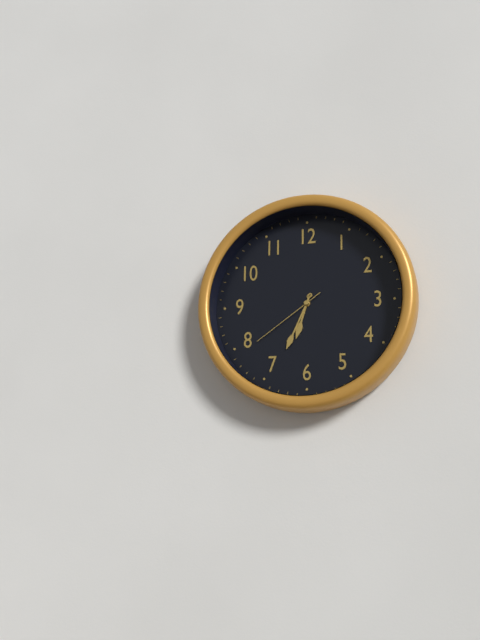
{"hour": 6, "minute": 34, "second": 39}
